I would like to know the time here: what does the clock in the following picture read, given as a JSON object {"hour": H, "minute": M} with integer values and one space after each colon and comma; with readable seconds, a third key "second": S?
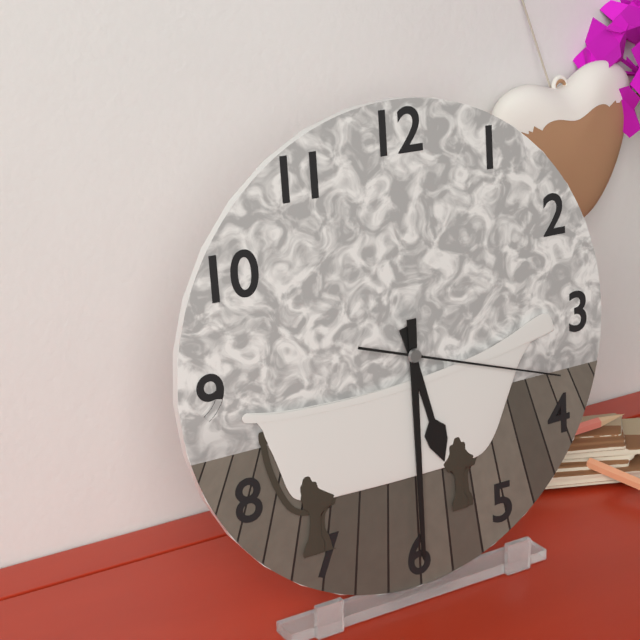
{"hour": 5, "minute": 30, "second": 18}
